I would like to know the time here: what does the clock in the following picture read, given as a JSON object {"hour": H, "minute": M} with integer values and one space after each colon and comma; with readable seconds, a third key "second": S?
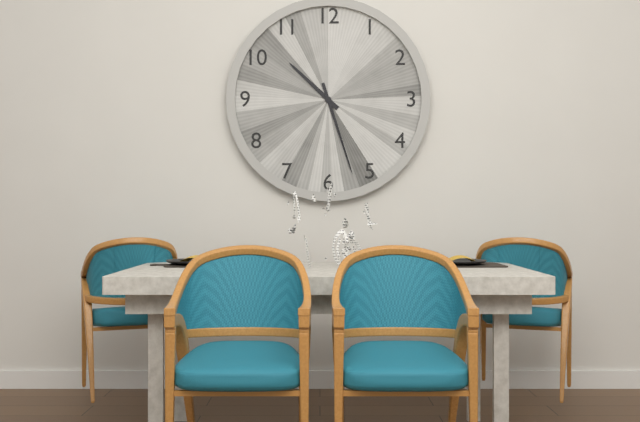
{"hour": 10, "minute": 27}
